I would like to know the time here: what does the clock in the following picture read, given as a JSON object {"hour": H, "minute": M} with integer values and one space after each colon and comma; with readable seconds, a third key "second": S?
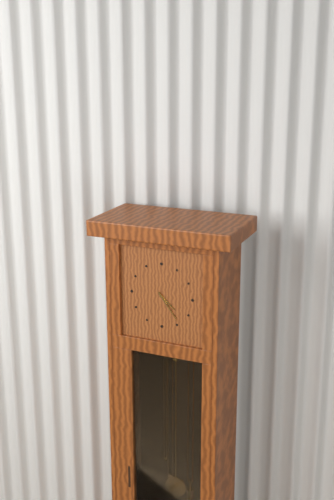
{"hour": 4, "minute": 24}
